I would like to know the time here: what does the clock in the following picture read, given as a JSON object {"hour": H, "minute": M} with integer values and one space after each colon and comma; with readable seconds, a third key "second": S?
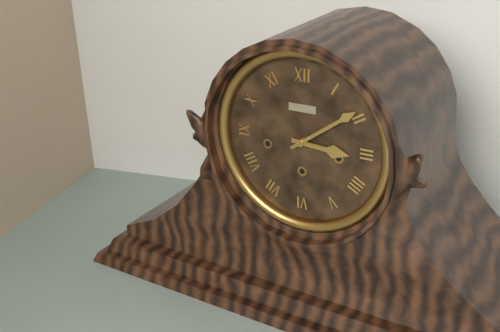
{"hour": 3, "minute": 9}
